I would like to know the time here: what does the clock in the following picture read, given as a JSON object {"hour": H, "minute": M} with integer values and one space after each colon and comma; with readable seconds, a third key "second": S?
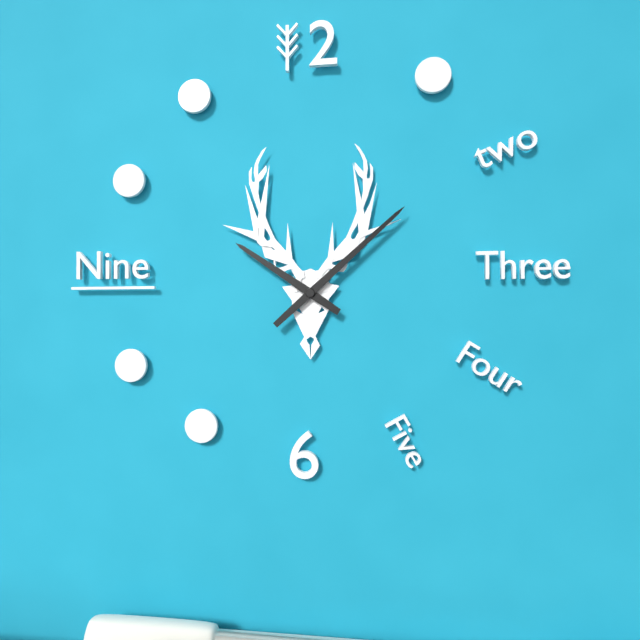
{"hour": 10, "minute": 8}
